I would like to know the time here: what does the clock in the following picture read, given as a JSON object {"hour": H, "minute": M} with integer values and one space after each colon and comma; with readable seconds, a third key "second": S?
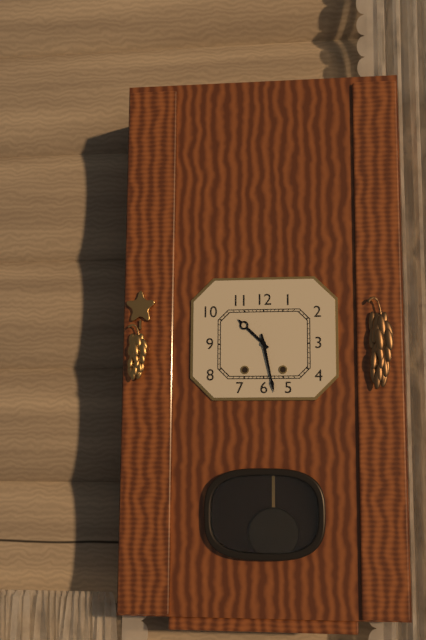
{"hour": 10, "minute": 28}
